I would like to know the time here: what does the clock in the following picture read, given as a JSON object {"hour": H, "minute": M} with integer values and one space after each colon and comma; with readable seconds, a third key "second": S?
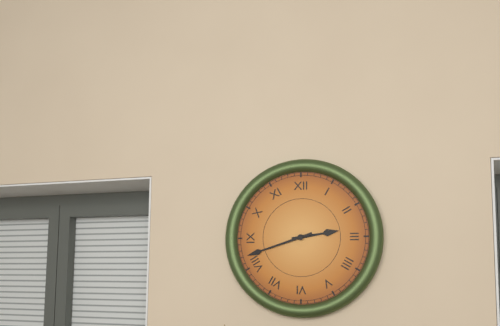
{"hour": 2, "minute": 42}
